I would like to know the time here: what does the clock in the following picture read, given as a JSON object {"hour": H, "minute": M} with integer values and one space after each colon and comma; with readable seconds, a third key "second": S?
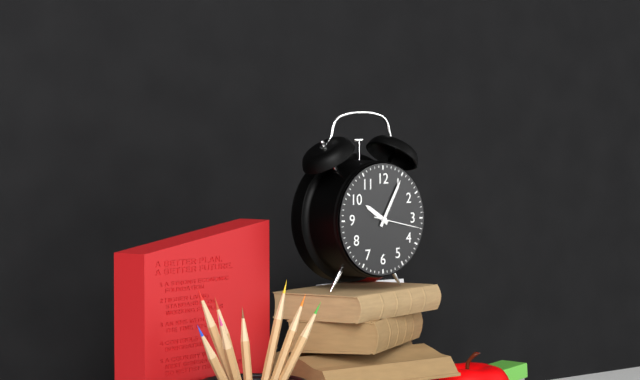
{"hour": 10, "minute": 5}
